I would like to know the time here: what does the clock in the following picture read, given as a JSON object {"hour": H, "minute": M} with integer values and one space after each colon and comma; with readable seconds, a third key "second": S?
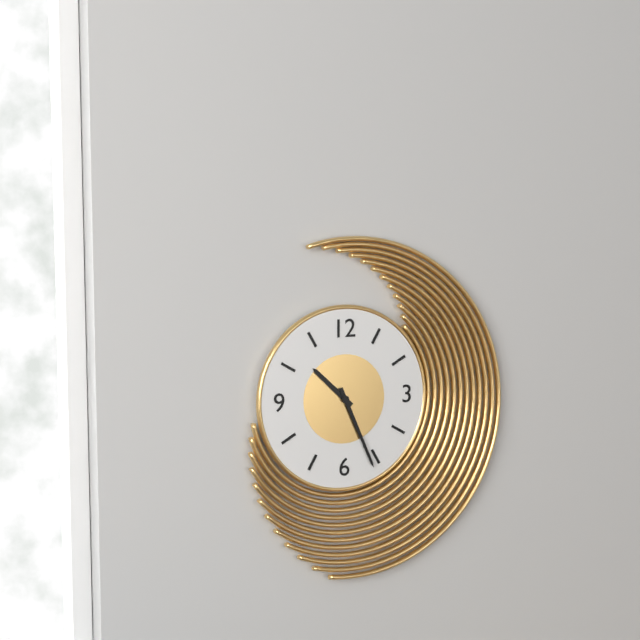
{"hour": 10, "minute": 26}
